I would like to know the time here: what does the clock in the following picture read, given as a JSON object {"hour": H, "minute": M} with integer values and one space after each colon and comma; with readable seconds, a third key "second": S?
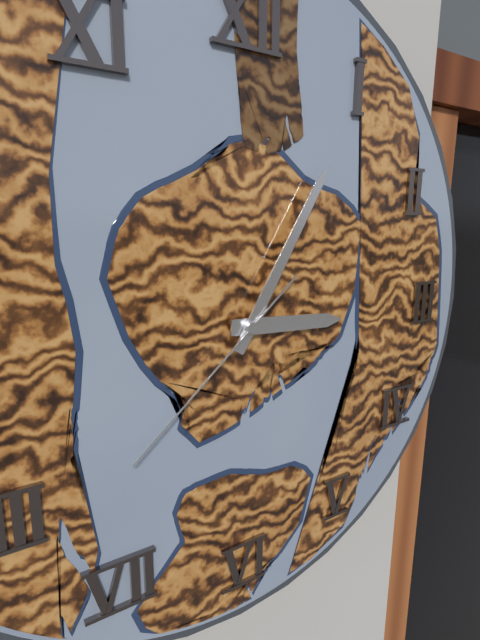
{"hour": 3, "minute": 5, "second": 38}
